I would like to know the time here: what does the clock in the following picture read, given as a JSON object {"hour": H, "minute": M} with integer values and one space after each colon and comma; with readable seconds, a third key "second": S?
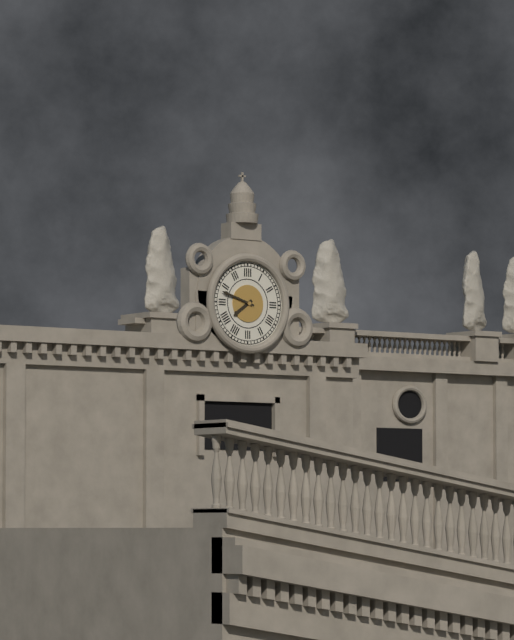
{"hour": 7, "minute": 48}
